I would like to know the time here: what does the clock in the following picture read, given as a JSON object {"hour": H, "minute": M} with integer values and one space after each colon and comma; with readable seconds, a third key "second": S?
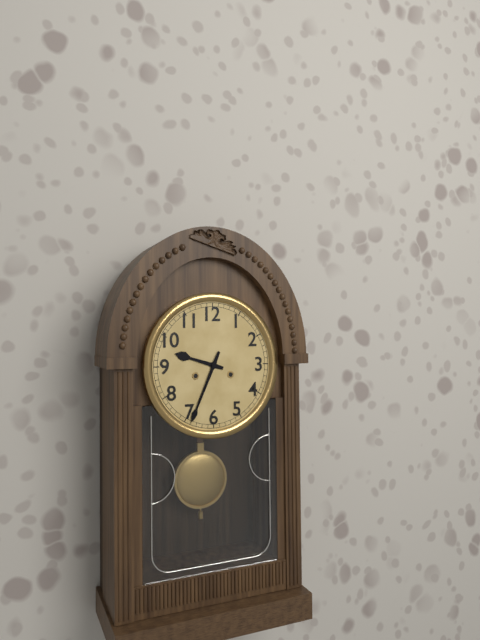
{"hour": 9, "minute": 34}
